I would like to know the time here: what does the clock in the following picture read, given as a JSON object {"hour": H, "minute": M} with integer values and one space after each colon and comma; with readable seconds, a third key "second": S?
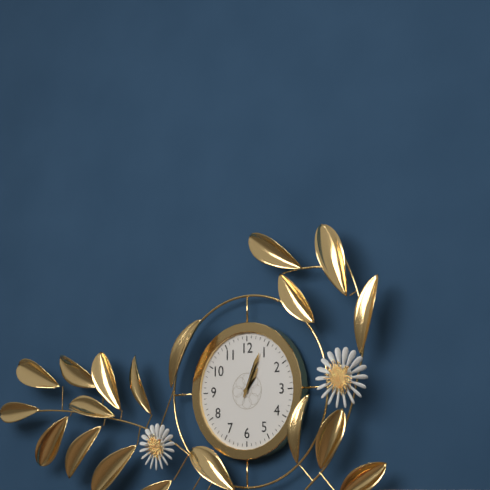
{"hour": 1, "minute": 4}
